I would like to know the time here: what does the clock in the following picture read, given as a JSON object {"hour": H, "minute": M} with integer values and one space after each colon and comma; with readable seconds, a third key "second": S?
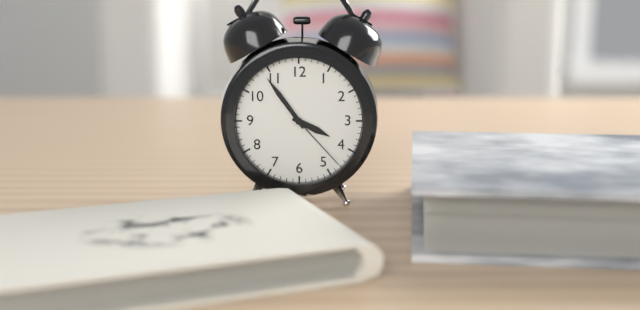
{"hour": 3, "minute": 54, "second": 23}
